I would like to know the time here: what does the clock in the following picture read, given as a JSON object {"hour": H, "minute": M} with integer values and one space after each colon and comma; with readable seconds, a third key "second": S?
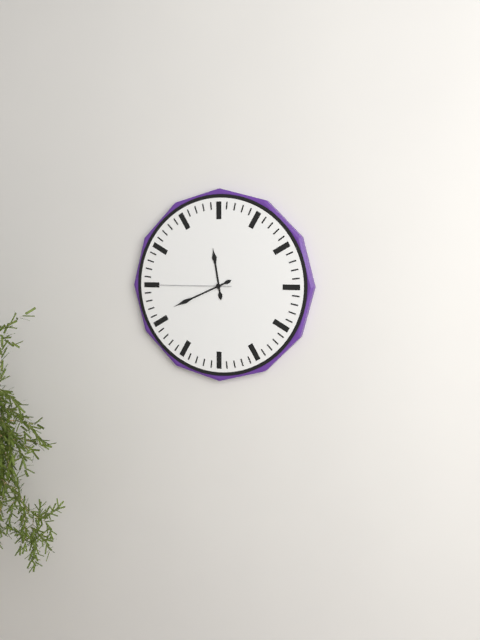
{"hour": 11, "minute": 41, "second": 45}
